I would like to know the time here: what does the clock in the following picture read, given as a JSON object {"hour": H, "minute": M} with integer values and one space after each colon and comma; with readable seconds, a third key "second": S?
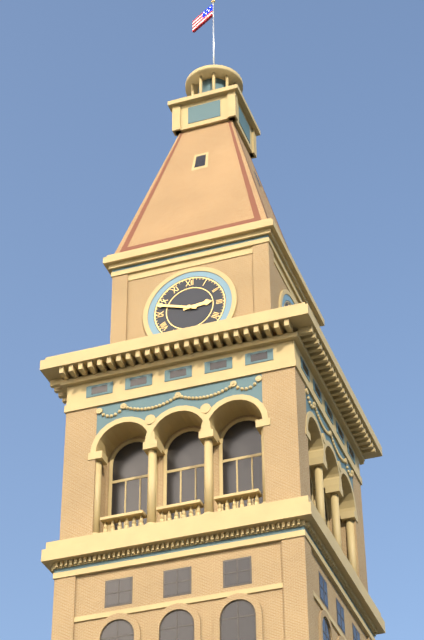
{"hour": 2, "minute": 48}
